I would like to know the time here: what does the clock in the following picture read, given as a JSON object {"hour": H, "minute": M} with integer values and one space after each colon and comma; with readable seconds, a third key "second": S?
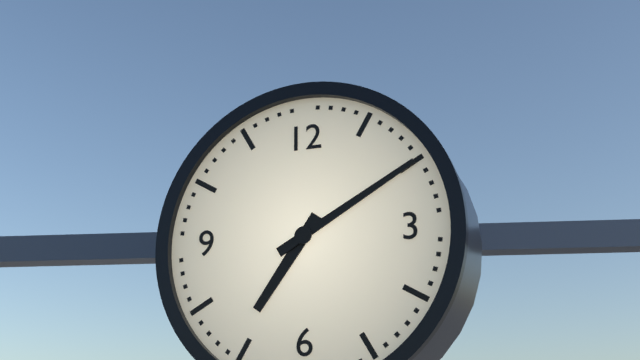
{"hour": 7, "minute": 10}
